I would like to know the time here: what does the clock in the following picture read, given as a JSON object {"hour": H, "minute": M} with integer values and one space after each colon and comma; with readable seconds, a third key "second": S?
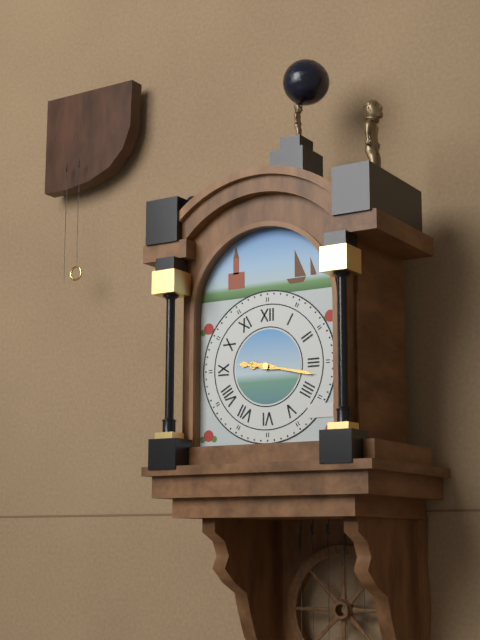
{"hour": 9, "minute": 17}
